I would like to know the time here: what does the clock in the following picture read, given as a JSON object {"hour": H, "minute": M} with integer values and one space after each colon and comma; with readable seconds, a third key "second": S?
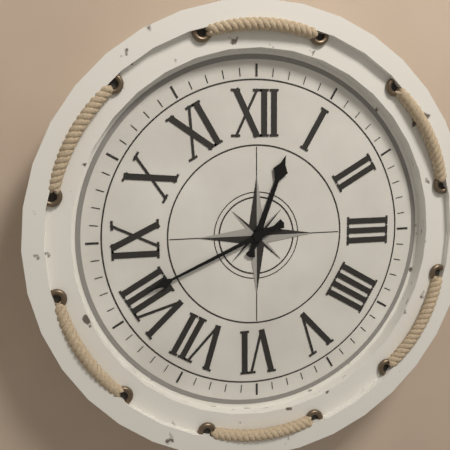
{"hour": 12, "minute": 41}
